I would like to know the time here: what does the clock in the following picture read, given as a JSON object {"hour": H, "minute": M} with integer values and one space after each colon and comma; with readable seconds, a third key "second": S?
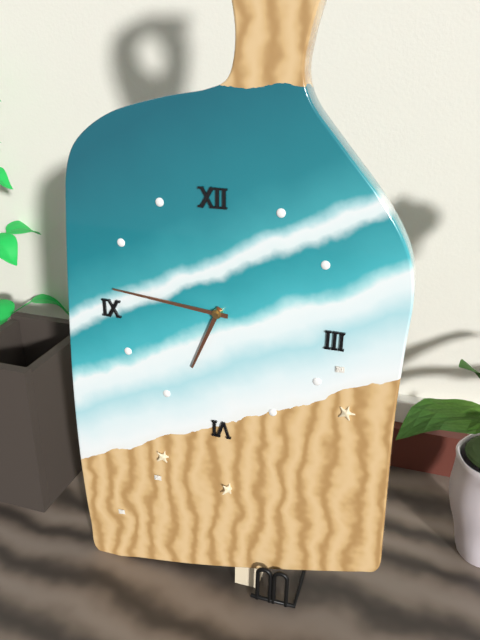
{"hour": 6, "minute": 46}
